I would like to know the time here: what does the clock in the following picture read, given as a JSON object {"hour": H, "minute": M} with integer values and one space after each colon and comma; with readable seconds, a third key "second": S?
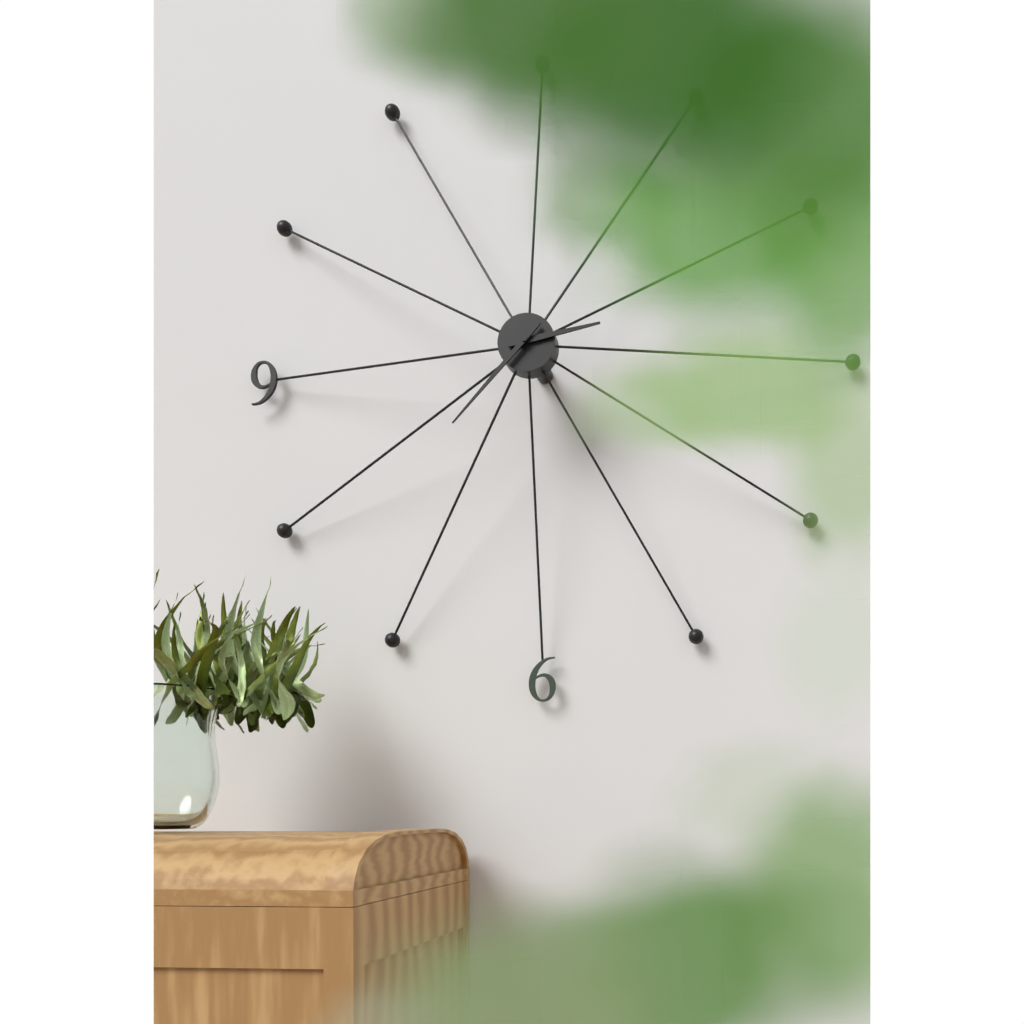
{"hour": 2, "minute": 37}
